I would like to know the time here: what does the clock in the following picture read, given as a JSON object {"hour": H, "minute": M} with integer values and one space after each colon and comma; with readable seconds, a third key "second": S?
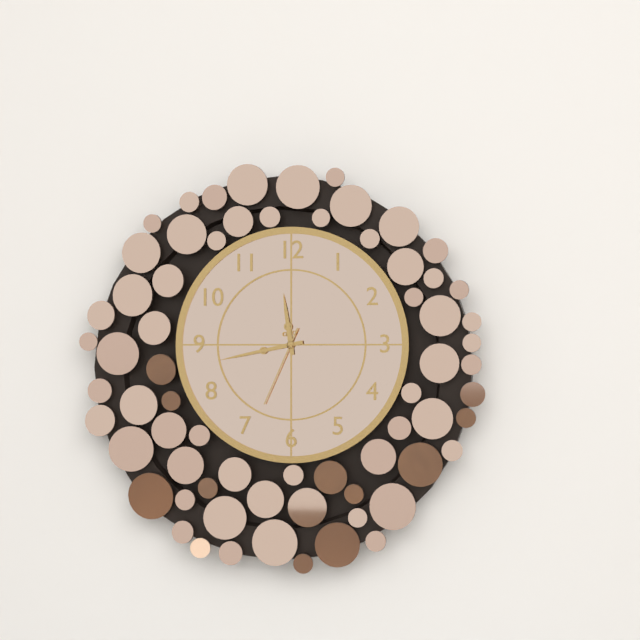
{"hour": 11, "minute": 43, "second": 34}
